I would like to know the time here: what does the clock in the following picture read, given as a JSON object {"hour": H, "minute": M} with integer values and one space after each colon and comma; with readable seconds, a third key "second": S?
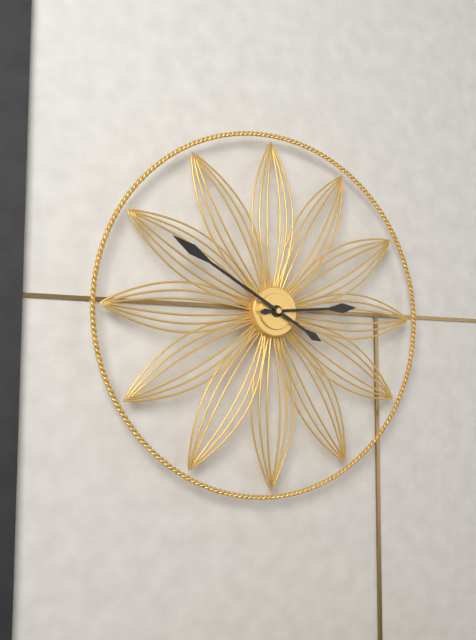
{"hour": 2, "minute": 50}
